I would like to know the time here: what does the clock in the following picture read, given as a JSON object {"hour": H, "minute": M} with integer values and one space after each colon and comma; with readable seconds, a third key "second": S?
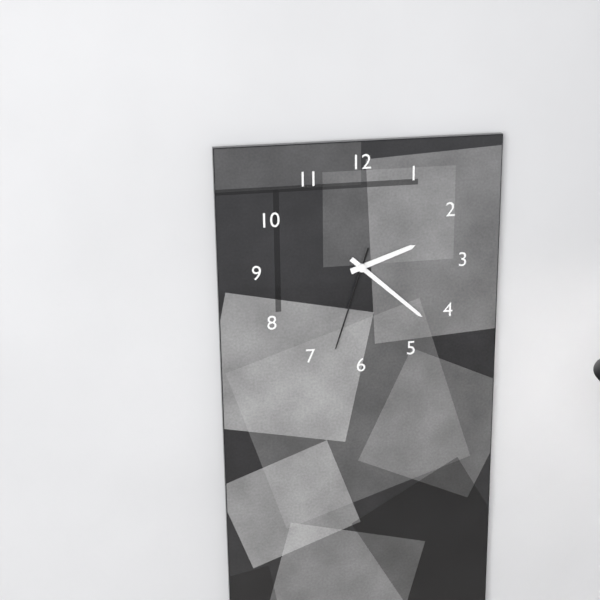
{"hour": 2, "minute": 22, "second": 33}
